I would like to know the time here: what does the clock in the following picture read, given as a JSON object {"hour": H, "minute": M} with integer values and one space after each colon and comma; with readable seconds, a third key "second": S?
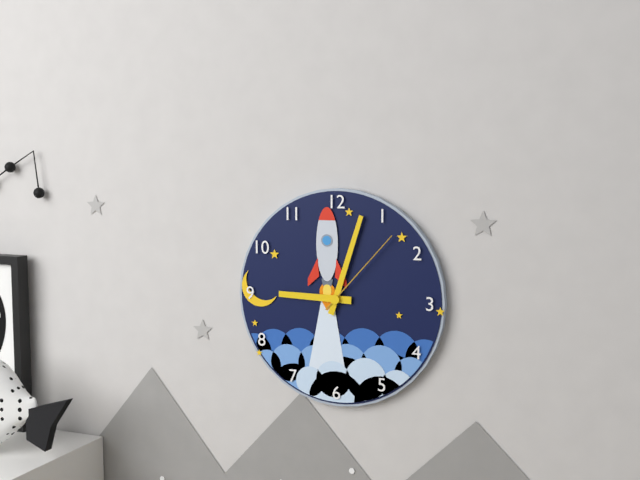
{"hour": 9, "minute": 3, "second": 7}
